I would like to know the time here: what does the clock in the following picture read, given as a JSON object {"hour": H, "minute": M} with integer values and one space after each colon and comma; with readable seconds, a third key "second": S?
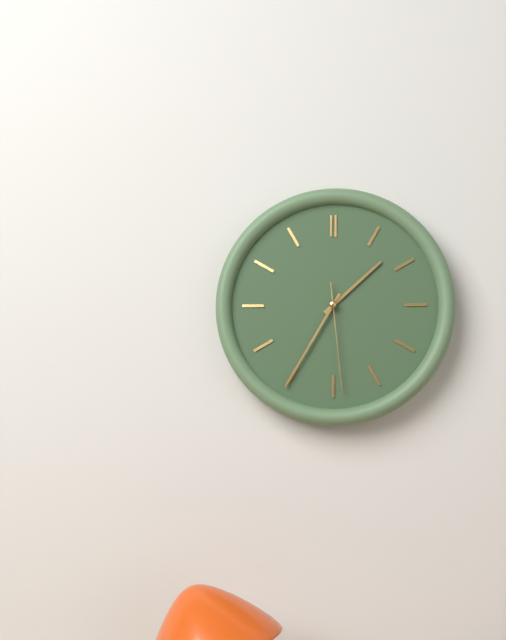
{"hour": 1, "minute": 35, "second": 29}
